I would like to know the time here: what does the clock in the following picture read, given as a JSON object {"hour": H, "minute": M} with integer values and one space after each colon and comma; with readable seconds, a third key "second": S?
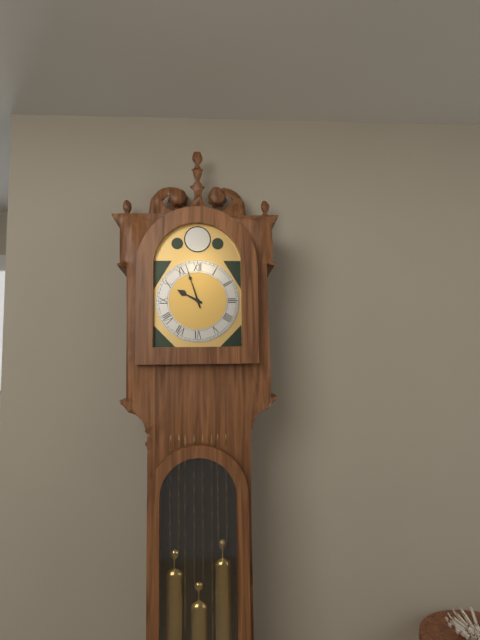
{"hour": 9, "minute": 57}
